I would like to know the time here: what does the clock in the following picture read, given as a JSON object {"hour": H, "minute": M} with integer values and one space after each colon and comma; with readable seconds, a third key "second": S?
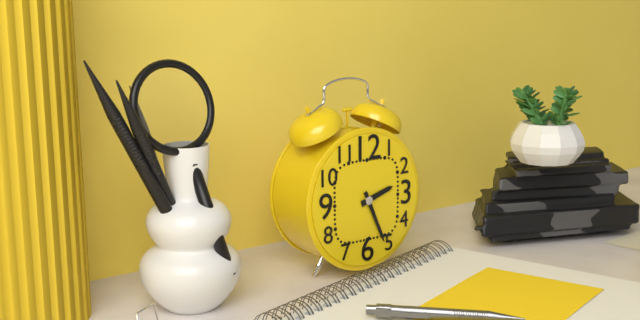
{"hour": 2, "minute": 26}
